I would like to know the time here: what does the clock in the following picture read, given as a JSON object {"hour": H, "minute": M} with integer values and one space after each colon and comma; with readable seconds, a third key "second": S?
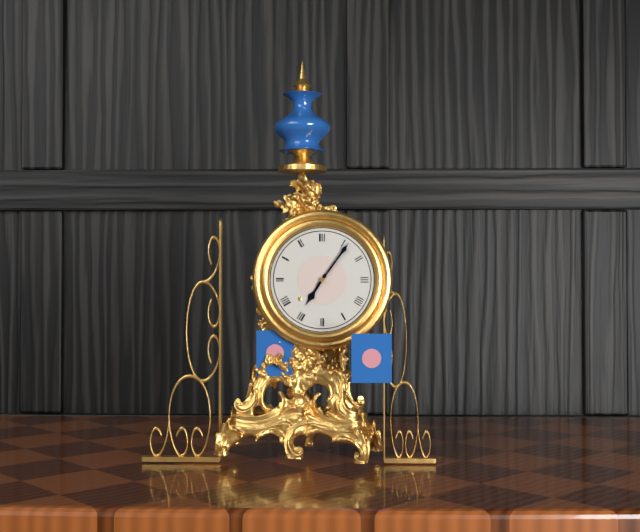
{"hour": 7, "minute": 6}
